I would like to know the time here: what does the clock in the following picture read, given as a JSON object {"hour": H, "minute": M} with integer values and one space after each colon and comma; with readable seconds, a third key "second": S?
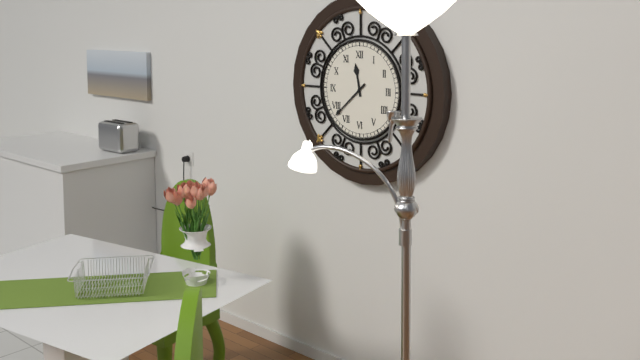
{"hour": 11, "minute": 38}
